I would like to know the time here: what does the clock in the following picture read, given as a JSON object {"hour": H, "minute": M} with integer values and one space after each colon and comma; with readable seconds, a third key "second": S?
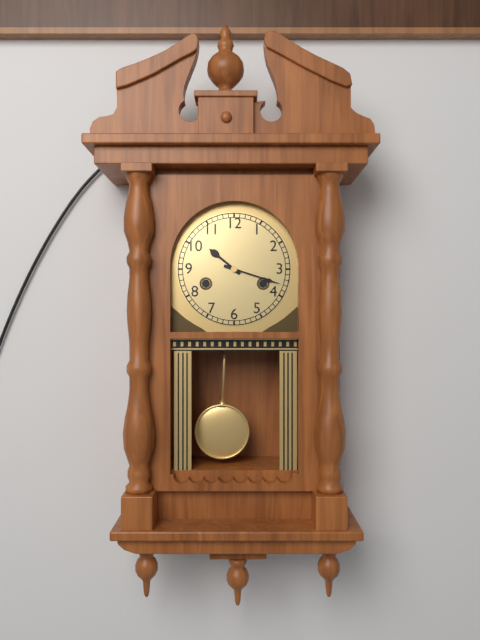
{"hour": 10, "minute": 18}
